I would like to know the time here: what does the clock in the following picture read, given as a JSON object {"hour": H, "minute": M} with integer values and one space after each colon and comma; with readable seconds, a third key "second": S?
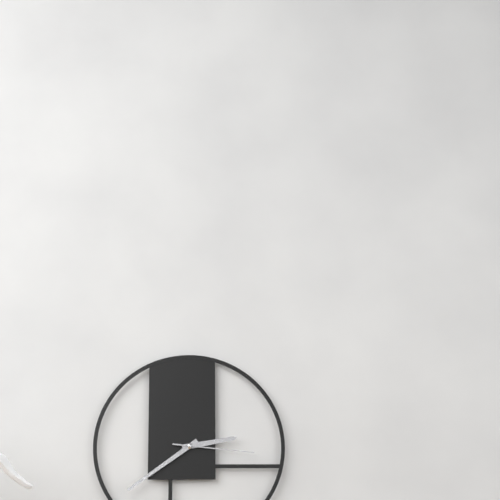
{"hour": 2, "minute": 39, "second": 16}
